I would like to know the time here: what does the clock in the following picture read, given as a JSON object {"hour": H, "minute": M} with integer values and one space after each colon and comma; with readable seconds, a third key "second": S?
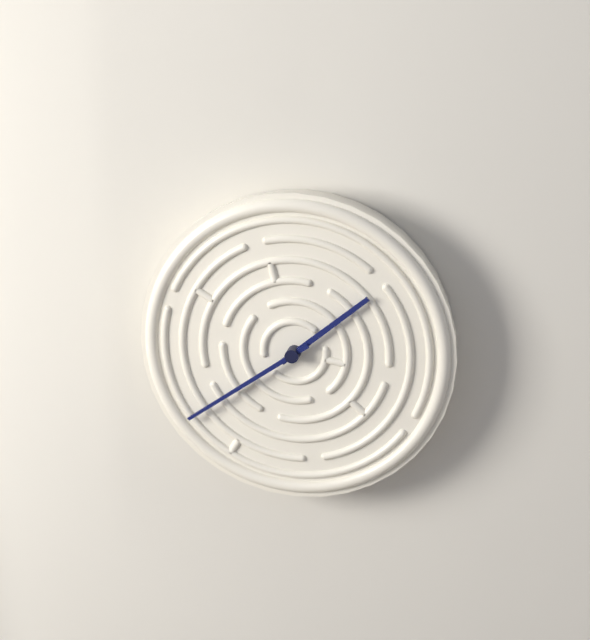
{"hour": 1, "minute": 39}
